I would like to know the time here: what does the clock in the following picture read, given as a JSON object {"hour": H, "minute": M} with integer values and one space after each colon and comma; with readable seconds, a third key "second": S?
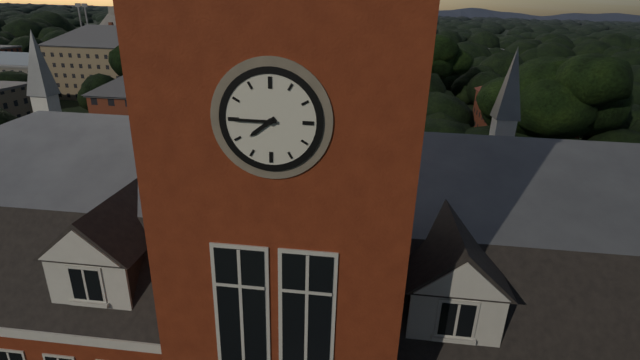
{"hour": 7, "minute": 45}
